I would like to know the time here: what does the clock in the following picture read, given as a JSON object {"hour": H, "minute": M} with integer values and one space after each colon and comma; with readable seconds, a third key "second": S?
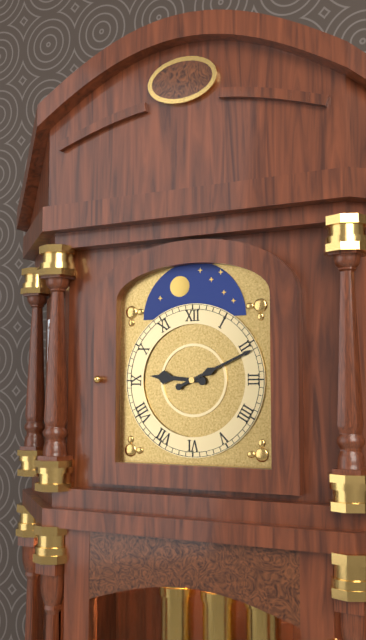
{"hour": 9, "minute": 11}
